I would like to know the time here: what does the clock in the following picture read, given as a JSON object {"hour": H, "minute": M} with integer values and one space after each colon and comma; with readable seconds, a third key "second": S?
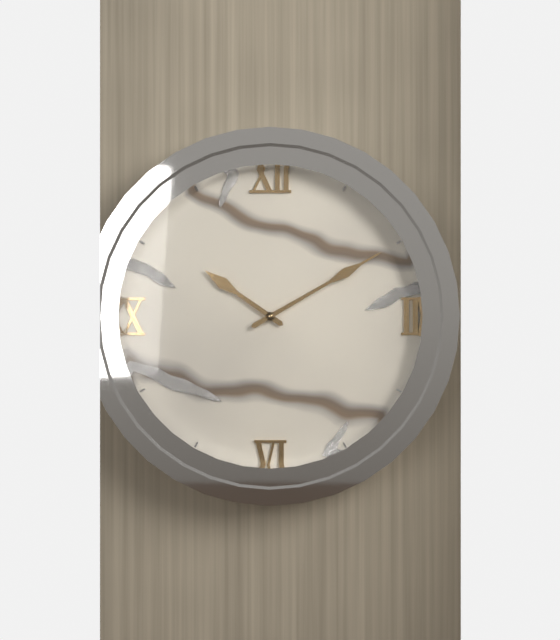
{"hour": 10, "minute": 10}
